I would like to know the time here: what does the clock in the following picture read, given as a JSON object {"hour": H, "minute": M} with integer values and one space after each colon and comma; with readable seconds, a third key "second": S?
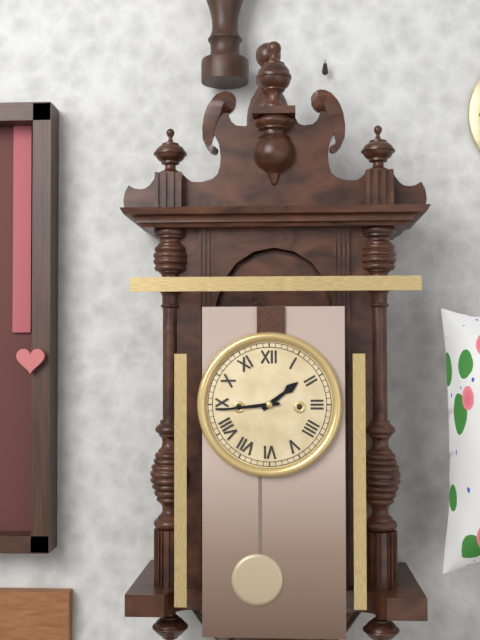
{"hour": 1, "minute": 44}
